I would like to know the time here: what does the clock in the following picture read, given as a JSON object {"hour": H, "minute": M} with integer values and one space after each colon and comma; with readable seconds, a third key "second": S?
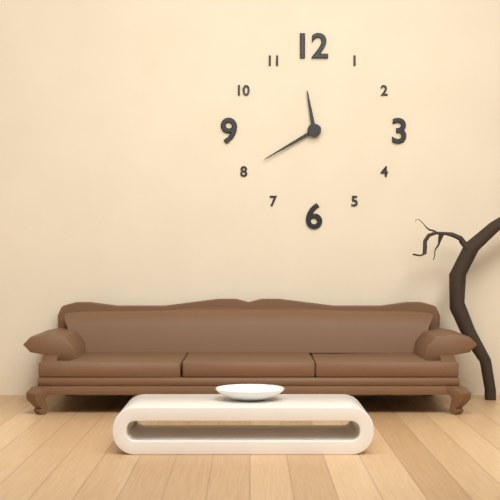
{"hour": 11, "minute": 40}
